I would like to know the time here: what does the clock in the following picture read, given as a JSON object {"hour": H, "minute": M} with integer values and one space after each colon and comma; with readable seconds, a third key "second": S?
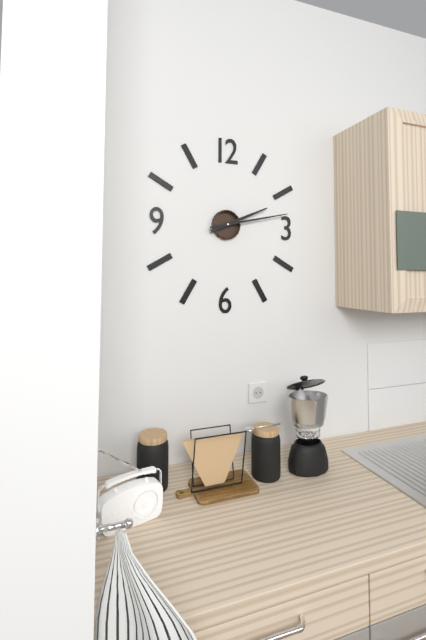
{"hour": 2, "minute": 13}
